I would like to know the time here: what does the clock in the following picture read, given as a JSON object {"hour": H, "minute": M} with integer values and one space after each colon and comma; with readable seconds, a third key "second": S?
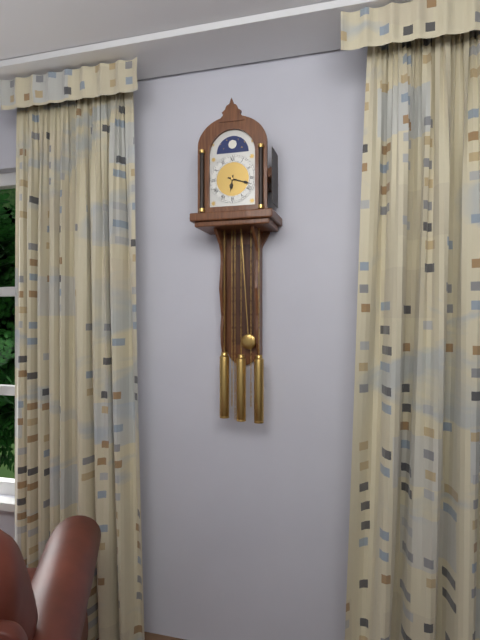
{"hour": 6, "minute": 18}
